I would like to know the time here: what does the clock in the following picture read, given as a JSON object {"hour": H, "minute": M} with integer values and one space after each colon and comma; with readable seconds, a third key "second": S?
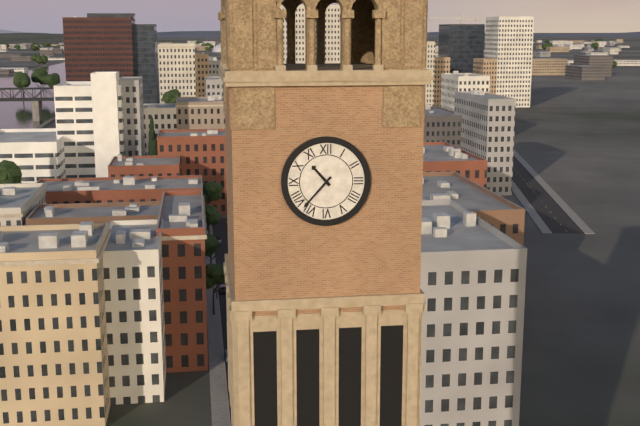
{"hour": 10, "minute": 37}
